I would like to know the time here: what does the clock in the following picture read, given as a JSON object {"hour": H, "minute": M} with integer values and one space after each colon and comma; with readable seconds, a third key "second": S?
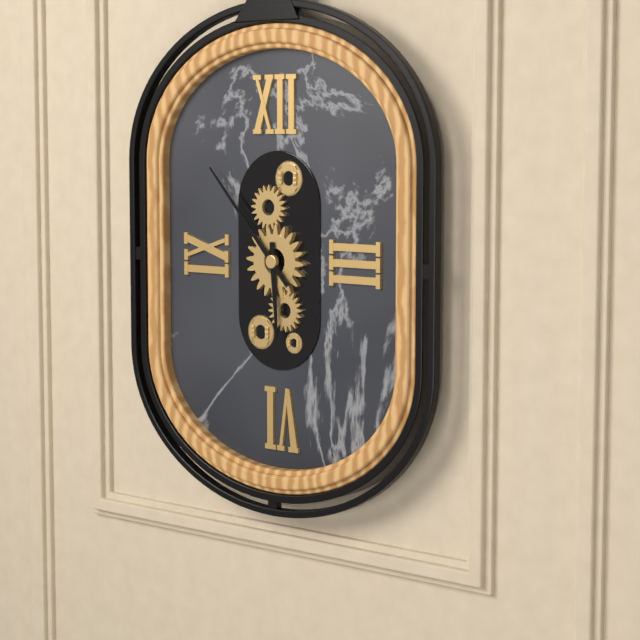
{"hour": 5, "minute": 53}
